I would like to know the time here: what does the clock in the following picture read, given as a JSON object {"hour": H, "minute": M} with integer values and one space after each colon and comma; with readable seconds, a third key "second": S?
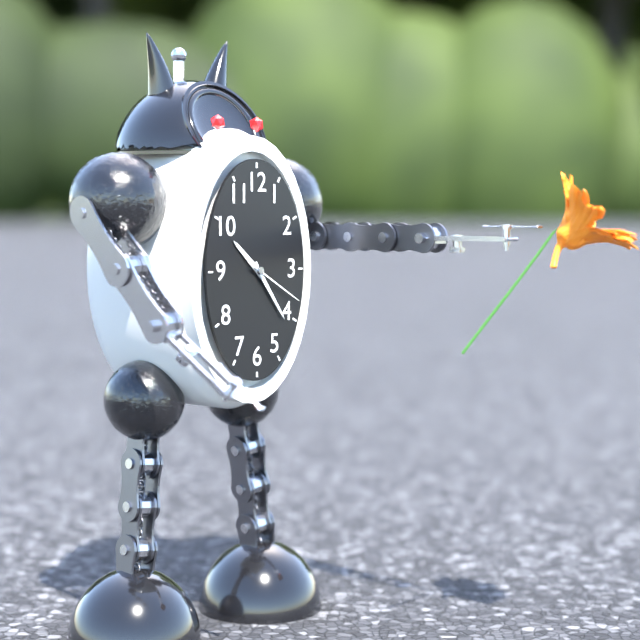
{"hour": 10, "minute": 24, "second": 20}
